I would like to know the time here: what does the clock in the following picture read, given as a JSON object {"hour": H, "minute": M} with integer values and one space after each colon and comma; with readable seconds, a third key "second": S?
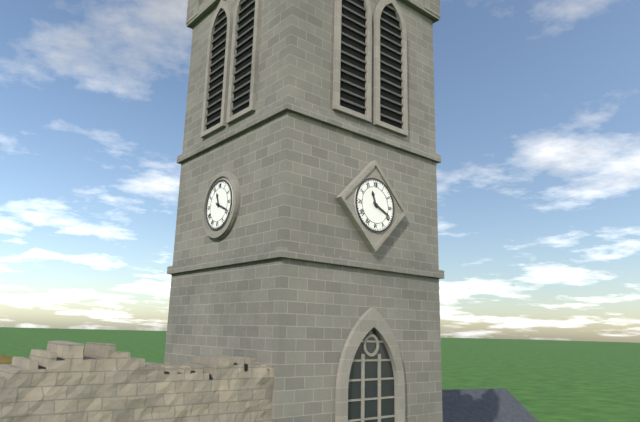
{"hour": 11, "minute": 19}
